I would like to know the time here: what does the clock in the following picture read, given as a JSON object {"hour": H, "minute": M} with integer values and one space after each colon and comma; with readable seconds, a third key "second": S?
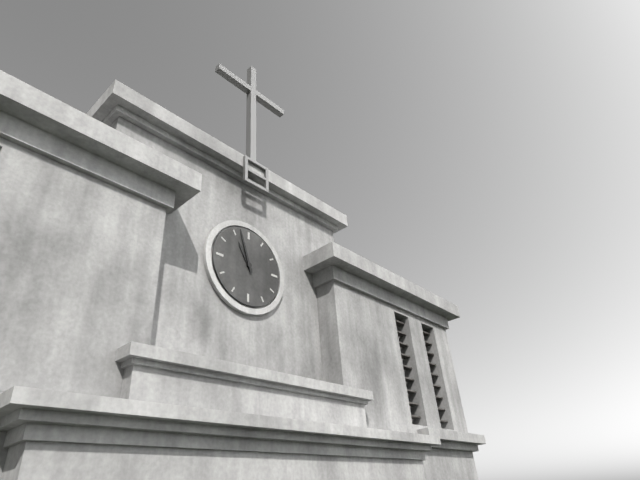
{"hour": 10, "minute": 57}
